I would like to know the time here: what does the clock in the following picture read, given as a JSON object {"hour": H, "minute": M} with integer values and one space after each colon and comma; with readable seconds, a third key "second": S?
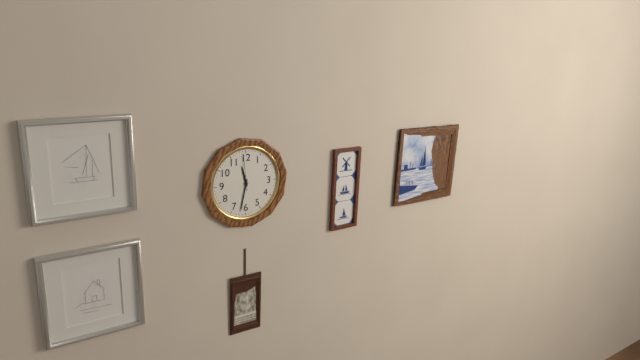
{"hour": 11, "minute": 32}
